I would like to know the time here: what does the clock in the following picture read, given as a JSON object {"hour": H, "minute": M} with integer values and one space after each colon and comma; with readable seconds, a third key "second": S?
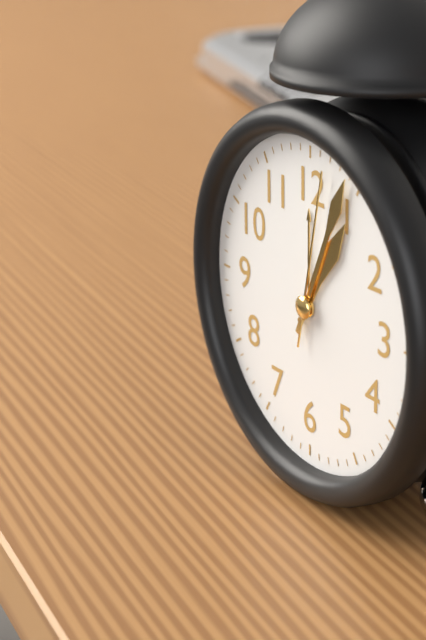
{"hour": 1, "minute": 4, "second": 2}
